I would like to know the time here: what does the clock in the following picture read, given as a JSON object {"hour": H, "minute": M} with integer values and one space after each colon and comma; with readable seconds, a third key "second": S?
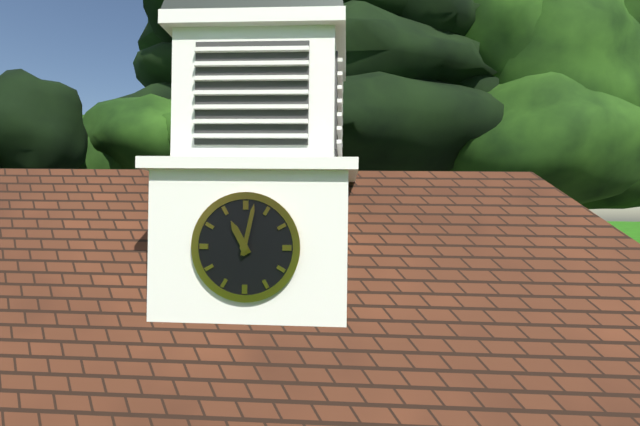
{"hour": 11, "minute": 2}
